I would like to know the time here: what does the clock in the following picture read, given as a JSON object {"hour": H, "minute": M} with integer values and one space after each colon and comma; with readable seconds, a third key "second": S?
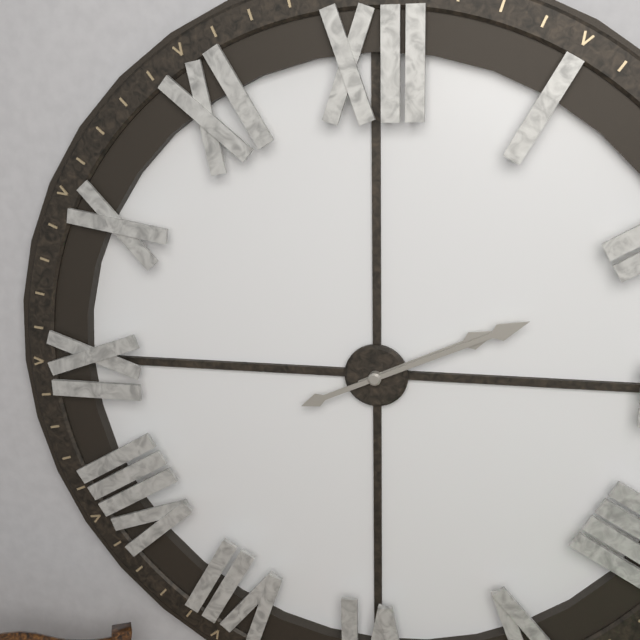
{"hour": 2, "minute": 11}
